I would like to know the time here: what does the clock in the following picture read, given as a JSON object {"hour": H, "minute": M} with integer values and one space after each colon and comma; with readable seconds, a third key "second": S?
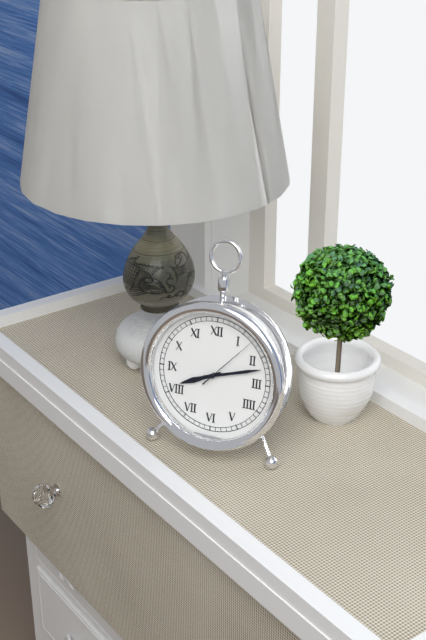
{"hour": 8, "minute": 12, "second": 7}
